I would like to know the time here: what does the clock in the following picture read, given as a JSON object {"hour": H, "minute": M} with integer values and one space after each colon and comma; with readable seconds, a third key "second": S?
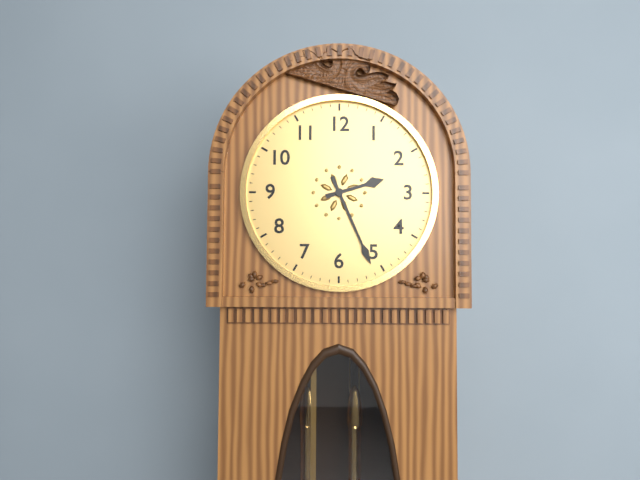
{"hour": 2, "minute": 26}
